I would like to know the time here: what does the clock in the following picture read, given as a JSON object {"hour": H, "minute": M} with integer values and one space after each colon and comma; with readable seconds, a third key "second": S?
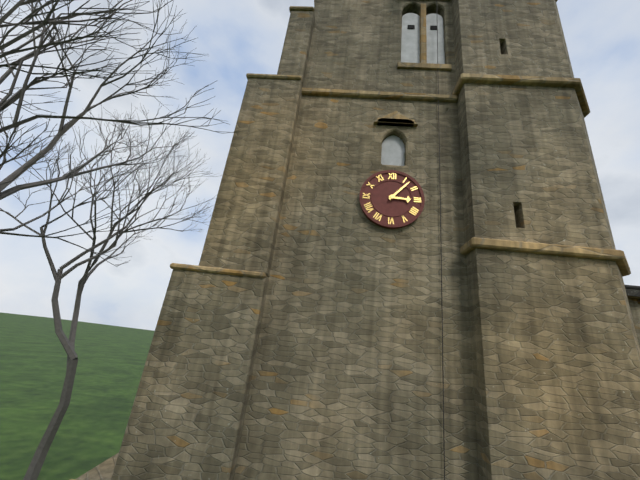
{"hour": 3, "minute": 7}
